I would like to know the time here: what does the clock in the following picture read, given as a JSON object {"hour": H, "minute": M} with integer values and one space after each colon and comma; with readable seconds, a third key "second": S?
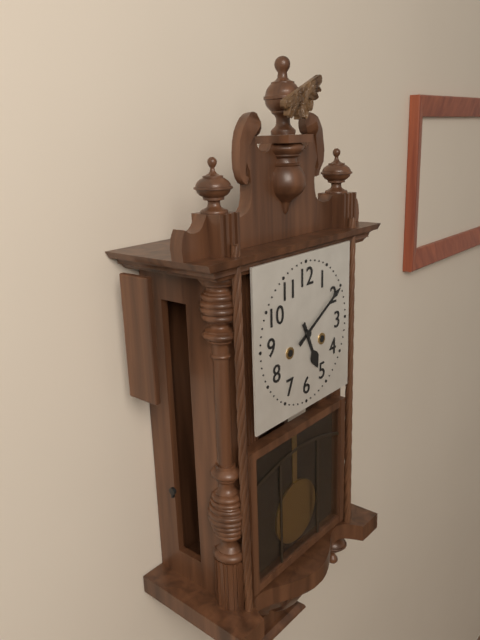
{"hour": 5, "minute": 10}
